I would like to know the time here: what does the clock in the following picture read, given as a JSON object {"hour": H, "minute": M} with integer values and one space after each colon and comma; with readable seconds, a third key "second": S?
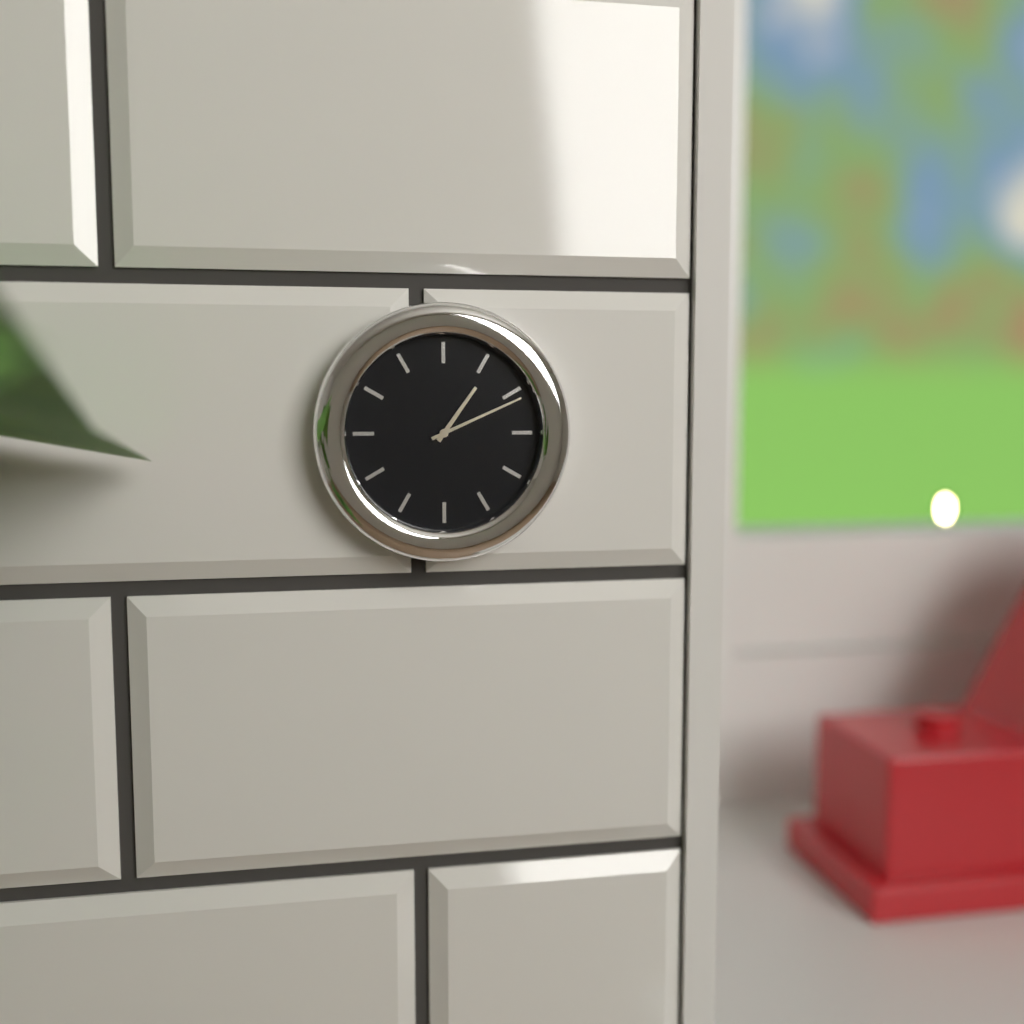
{"hour": 1, "minute": 11}
